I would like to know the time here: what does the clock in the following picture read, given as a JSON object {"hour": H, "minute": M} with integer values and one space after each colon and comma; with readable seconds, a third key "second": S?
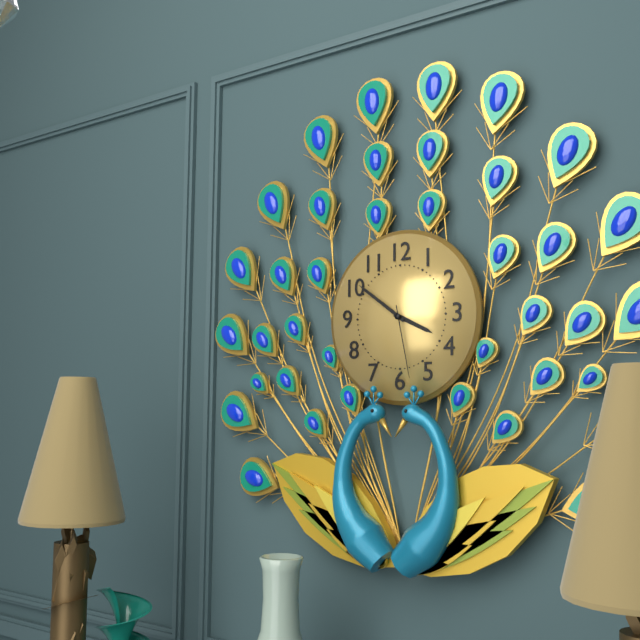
{"hour": 3, "minute": 51, "second": 28}
